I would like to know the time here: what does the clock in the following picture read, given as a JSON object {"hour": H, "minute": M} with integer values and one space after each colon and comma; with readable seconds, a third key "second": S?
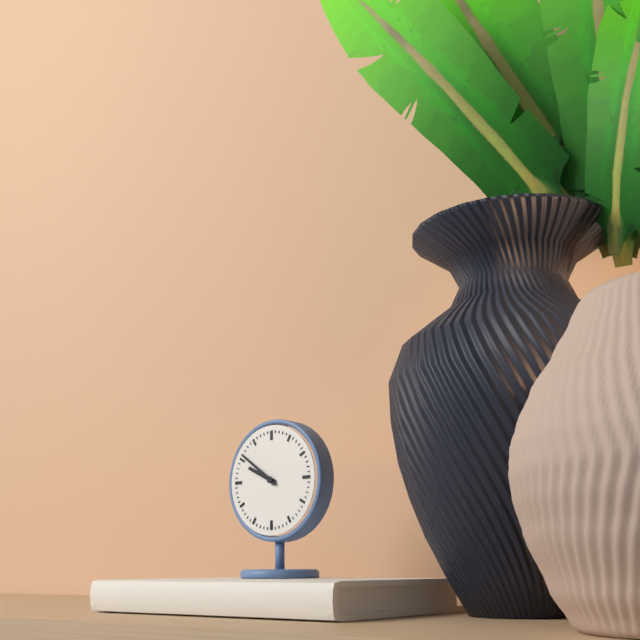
{"hour": 9, "minute": 51}
